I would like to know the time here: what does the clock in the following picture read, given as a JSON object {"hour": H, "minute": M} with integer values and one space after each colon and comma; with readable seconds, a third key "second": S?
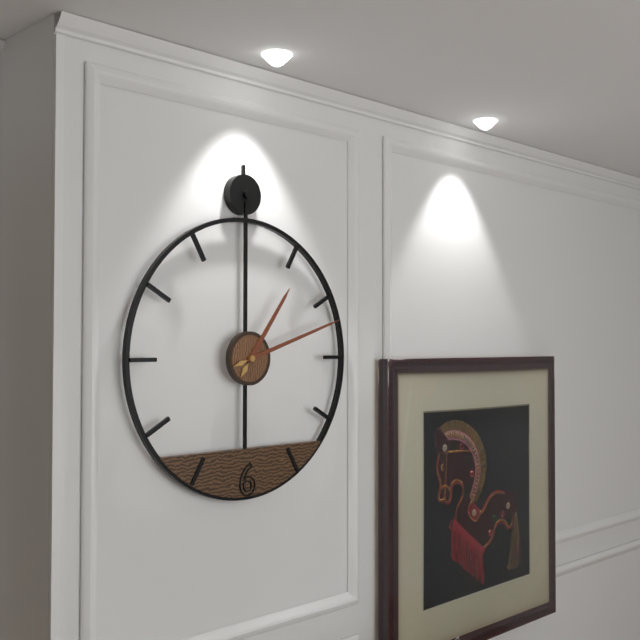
{"hour": 1, "minute": 12}
